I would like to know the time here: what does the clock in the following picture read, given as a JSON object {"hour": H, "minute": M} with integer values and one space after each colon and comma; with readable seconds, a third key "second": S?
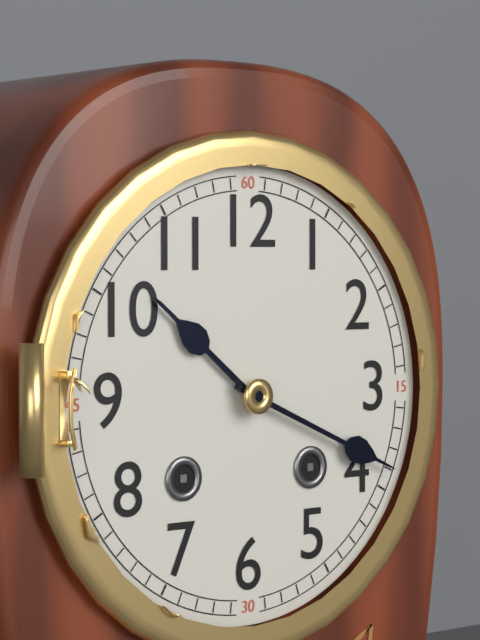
{"hour": 10, "minute": 19}
